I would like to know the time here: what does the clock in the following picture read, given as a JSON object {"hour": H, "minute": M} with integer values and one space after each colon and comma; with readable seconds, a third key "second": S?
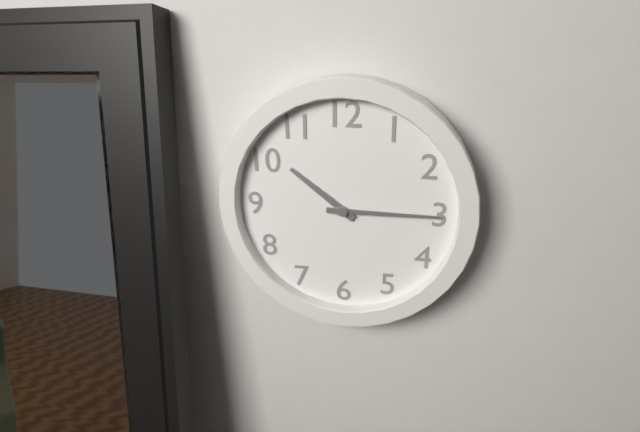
{"hour": 10, "minute": 15}
